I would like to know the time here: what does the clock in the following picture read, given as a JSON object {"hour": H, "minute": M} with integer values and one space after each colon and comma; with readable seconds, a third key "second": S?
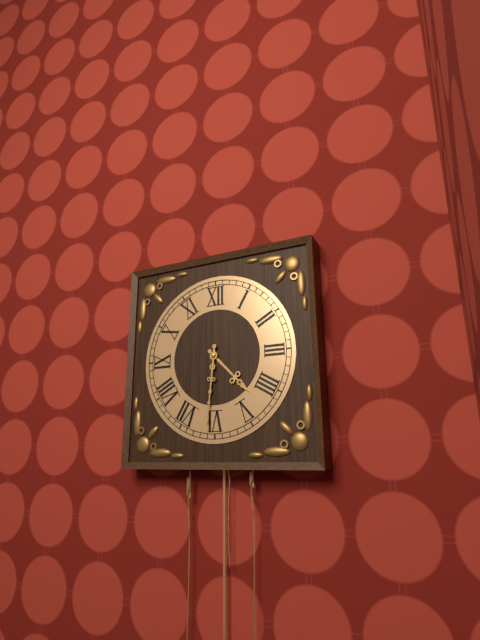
{"hour": 4, "minute": 31}
